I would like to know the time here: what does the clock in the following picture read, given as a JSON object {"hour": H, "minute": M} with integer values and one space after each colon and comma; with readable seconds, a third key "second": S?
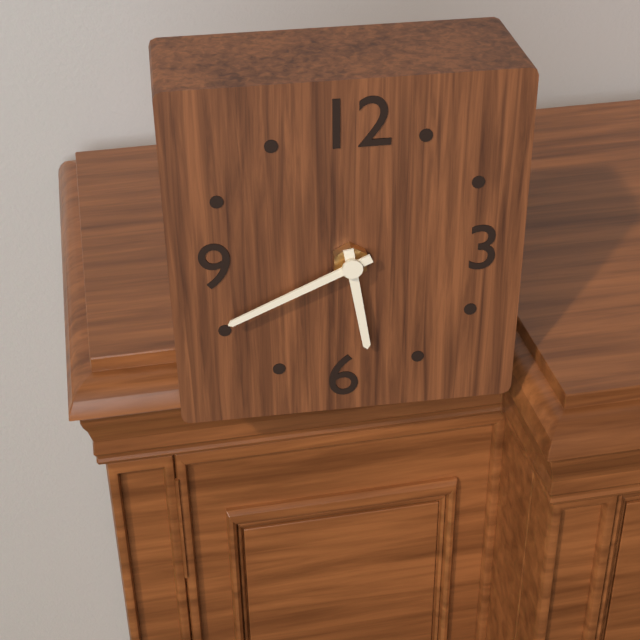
{"hour": 5, "minute": 41}
